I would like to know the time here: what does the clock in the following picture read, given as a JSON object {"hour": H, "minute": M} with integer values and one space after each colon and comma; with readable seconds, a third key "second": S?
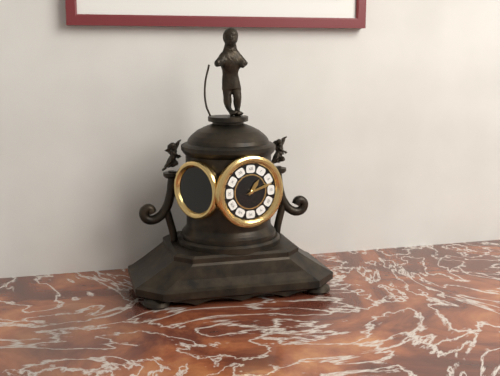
{"hour": 1, "minute": 12}
